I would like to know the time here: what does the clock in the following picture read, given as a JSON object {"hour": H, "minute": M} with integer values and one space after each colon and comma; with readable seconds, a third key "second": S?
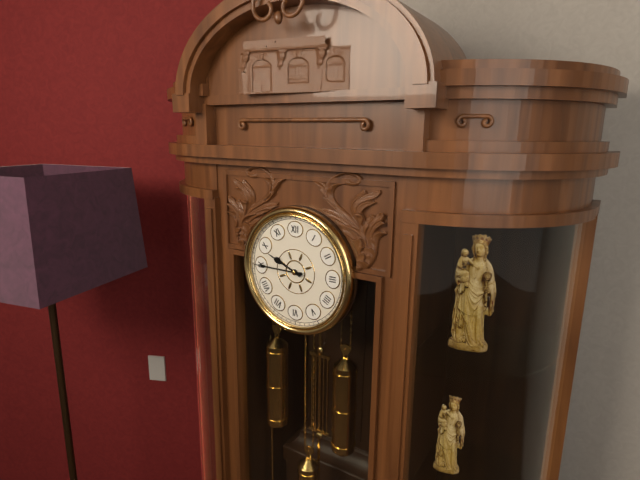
{"hour": 9, "minute": 45}
